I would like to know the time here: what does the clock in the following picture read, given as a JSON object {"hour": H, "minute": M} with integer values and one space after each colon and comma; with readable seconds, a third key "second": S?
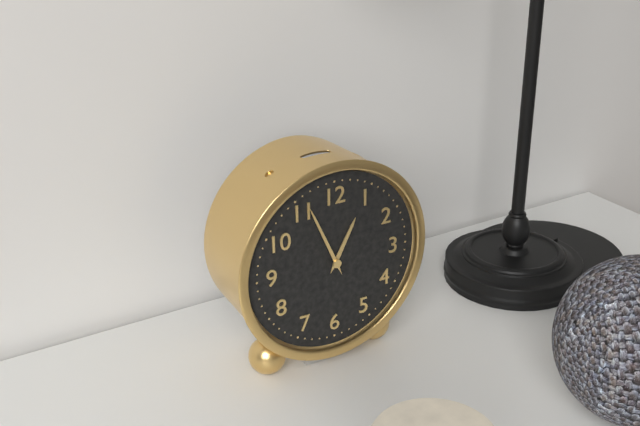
{"hour": 12, "minute": 56}
